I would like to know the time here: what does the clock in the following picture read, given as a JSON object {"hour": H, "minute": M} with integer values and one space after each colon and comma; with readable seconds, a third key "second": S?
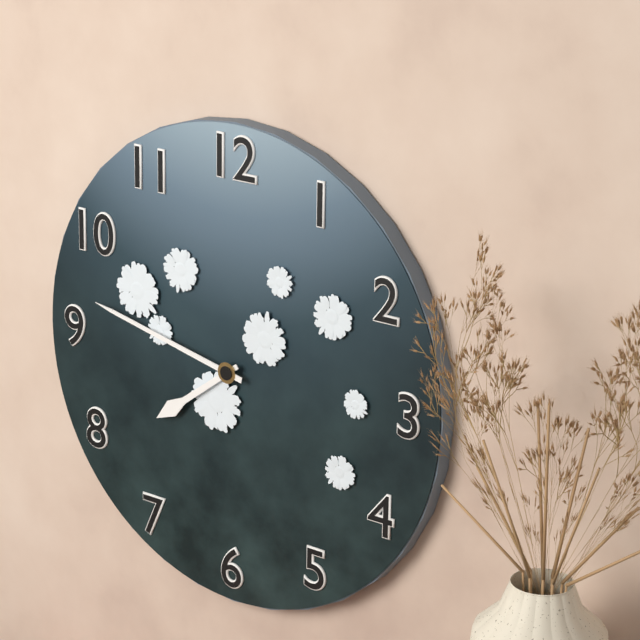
{"hour": 7, "minute": 47}
